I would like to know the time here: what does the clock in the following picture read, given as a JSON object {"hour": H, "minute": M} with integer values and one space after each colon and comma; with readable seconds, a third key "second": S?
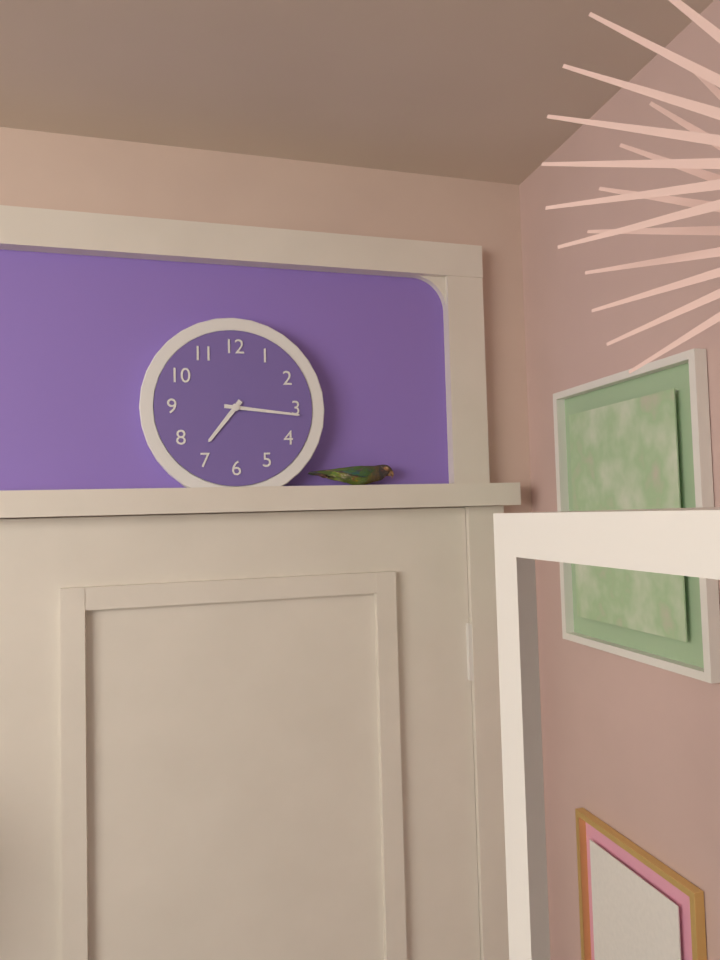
{"hour": 7, "minute": 16}
